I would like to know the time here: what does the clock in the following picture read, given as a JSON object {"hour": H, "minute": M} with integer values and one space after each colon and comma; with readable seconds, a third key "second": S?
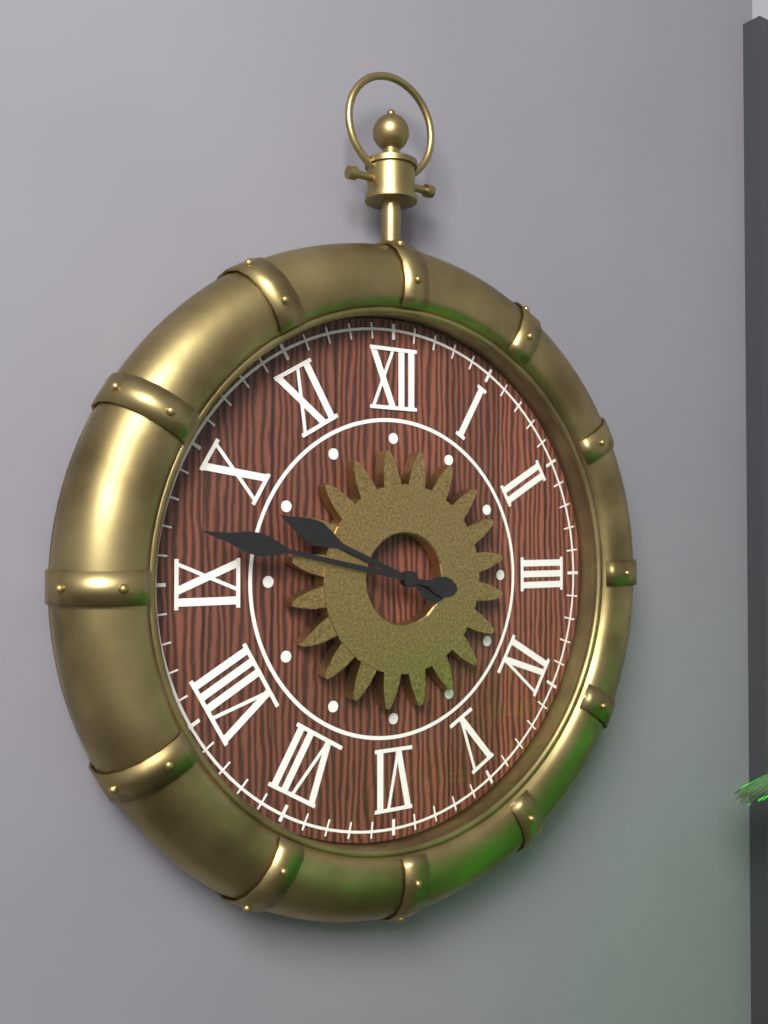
{"hour": 9, "minute": 47}
